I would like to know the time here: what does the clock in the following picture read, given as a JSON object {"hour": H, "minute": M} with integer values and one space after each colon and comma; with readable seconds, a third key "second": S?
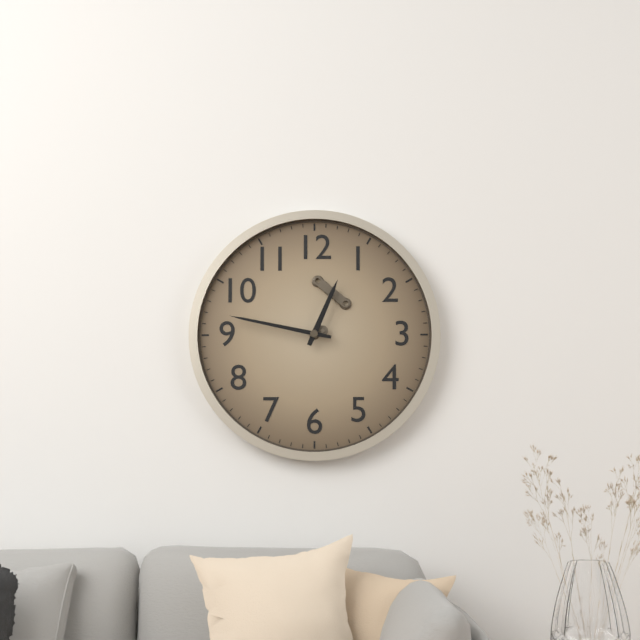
{"hour": 12, "minute": 47}
